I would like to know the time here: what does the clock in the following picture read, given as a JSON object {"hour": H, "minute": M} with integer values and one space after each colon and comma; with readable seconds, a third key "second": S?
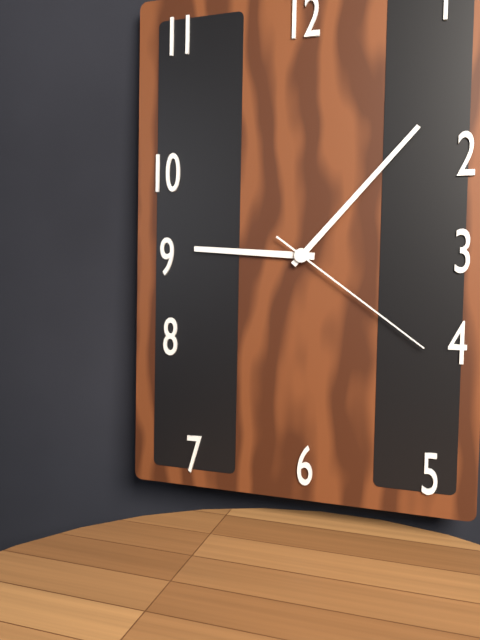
{"hour": 9, "minute": 7, "second": 21}
